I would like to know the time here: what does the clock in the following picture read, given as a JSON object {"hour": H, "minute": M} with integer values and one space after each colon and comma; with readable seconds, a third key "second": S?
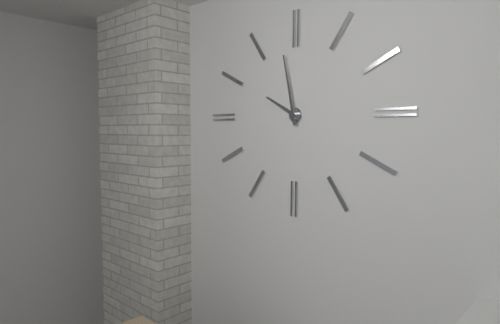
{"hour": 9, "minute": 58}
